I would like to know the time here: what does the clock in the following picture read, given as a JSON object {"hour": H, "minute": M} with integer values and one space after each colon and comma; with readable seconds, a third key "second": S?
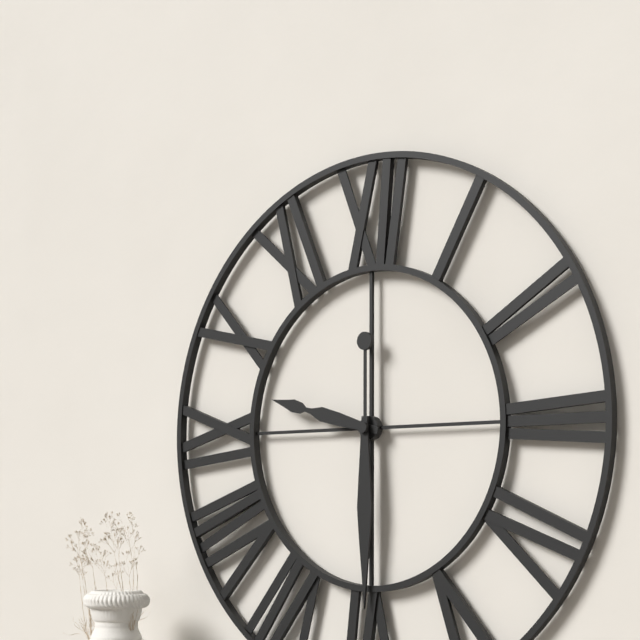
{"hour": 9, "minute": 30}
